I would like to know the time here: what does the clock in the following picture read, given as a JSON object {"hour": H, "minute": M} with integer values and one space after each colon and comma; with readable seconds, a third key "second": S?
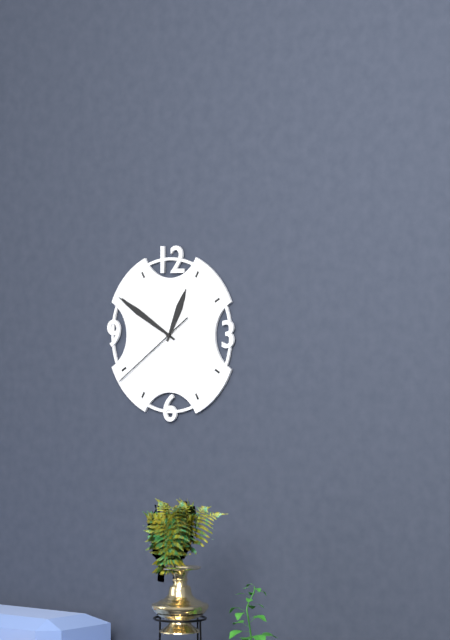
{"hour": 12, "minute": 50, "second": 39}
